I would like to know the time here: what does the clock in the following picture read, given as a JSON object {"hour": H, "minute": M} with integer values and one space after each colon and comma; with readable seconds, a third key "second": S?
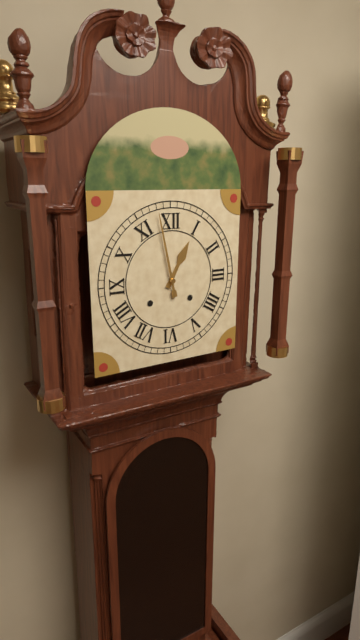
{"hour": 12, "minute": 58}
